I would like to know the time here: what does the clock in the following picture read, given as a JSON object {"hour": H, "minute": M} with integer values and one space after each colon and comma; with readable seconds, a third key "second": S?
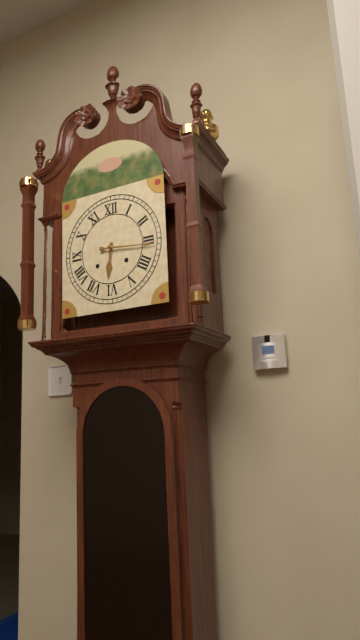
{"hour": 6, "minute": 16}
